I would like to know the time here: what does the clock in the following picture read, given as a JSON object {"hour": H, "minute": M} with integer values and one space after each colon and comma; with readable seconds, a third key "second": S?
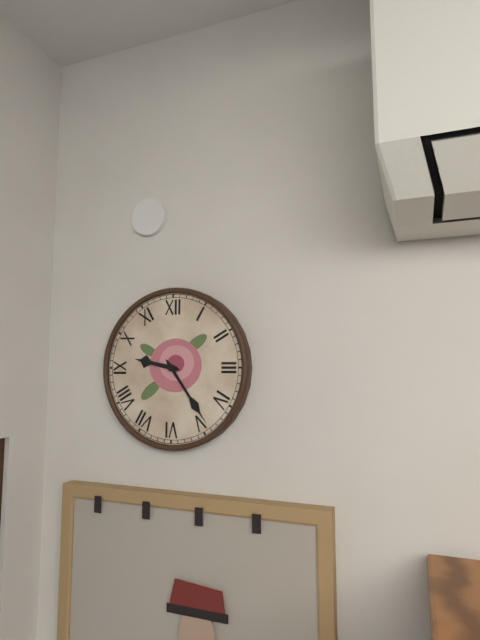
{"hour": 9, "minute": 24}
